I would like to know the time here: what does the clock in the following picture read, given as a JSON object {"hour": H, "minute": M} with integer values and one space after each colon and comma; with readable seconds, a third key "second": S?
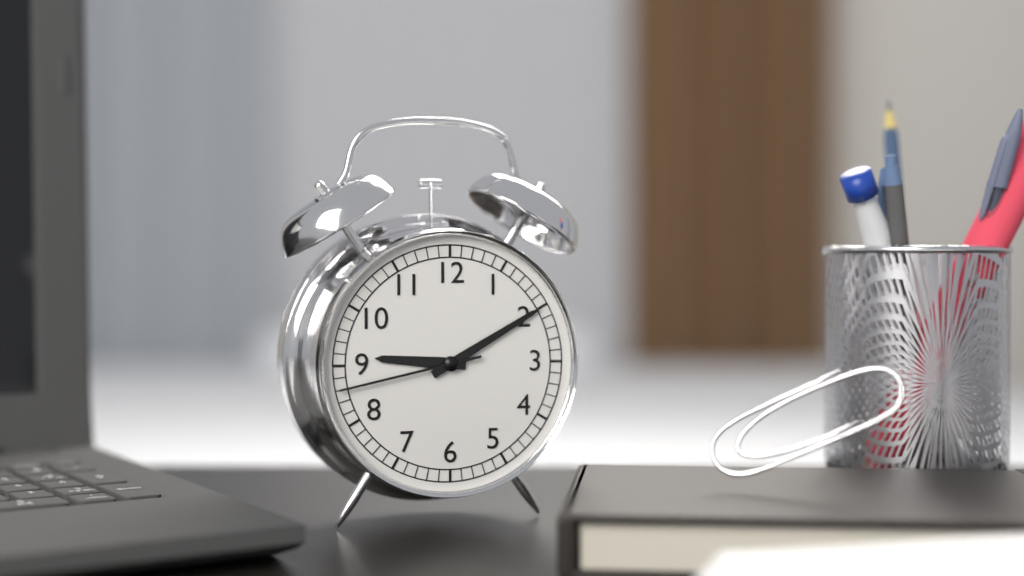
{"hour": 9, "minute": 10, "second": 43}
